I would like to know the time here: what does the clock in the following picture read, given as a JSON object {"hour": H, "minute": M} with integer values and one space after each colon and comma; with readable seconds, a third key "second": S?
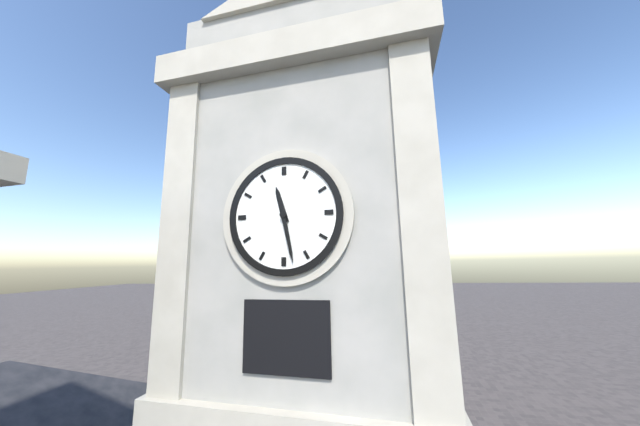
{"hour": 11, "minute": 28}
